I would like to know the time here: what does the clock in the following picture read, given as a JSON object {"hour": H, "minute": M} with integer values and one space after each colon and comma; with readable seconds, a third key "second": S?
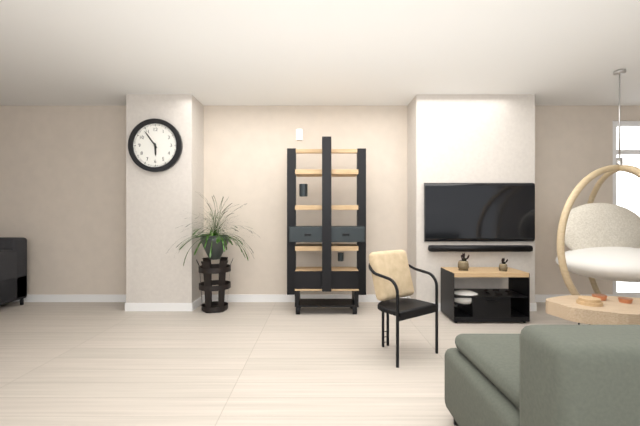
{"hour": 5, "minute": 54}
